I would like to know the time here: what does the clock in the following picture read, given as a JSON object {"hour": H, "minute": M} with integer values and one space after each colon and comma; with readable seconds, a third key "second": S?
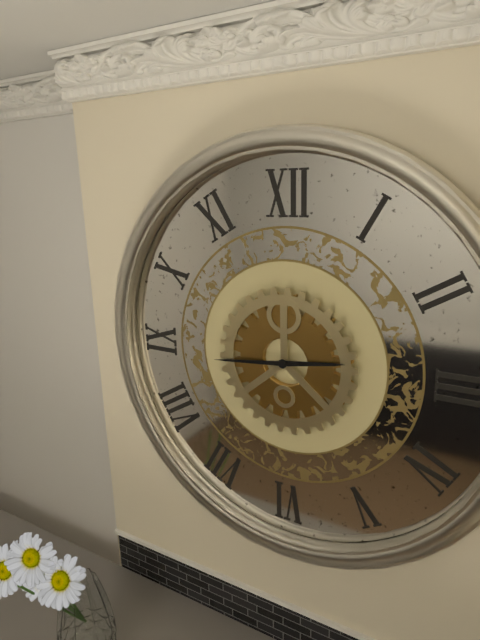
{"hour": 2, "minute": 44}
